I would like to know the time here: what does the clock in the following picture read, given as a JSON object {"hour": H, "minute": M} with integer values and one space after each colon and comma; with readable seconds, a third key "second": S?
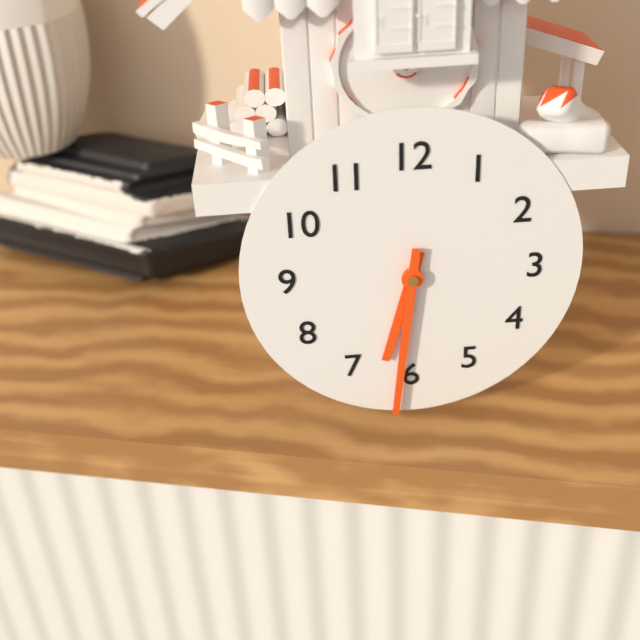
{"hour": 6, "minute": 31}
